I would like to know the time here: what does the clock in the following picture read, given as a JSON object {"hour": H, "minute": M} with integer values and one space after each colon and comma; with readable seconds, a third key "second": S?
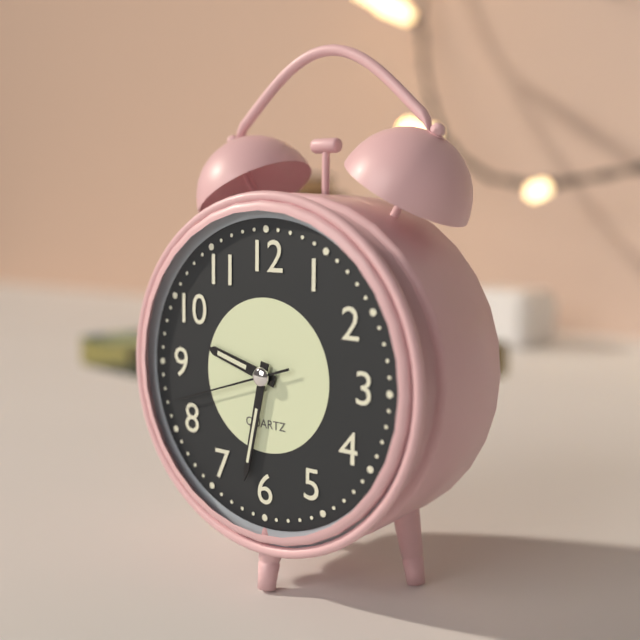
{"hour": 9, "minute": 32, "second": 42}
